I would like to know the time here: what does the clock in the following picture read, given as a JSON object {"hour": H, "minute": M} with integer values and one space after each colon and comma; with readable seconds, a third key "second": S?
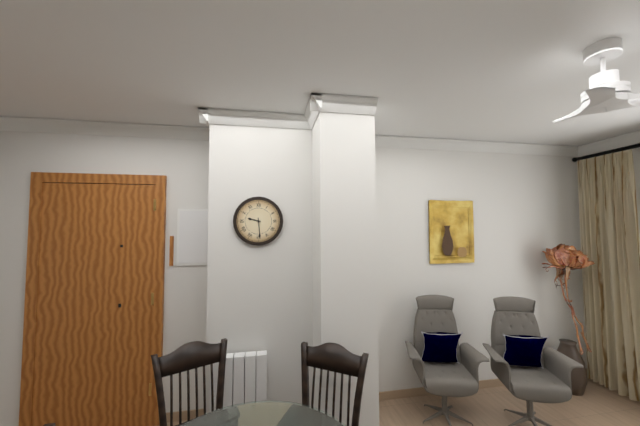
{"hour": 9, "minute": 29}
